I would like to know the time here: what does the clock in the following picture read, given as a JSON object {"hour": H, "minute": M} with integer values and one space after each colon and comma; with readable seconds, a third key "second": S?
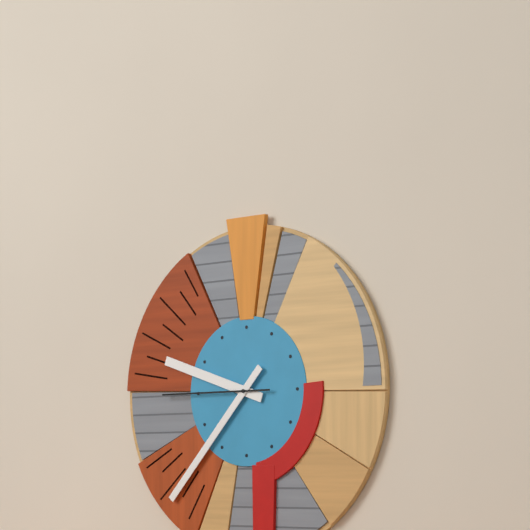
{"hour": 9, "minute": 37, "second": 45}
